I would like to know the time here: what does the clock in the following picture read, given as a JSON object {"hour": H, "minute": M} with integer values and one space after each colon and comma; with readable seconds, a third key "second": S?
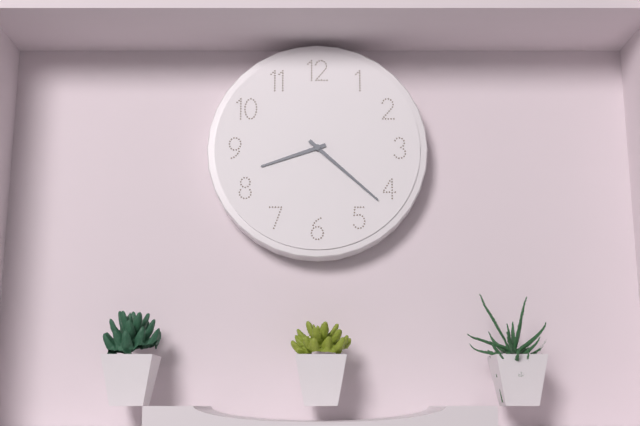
{"hour": 8, "minute": 22}
